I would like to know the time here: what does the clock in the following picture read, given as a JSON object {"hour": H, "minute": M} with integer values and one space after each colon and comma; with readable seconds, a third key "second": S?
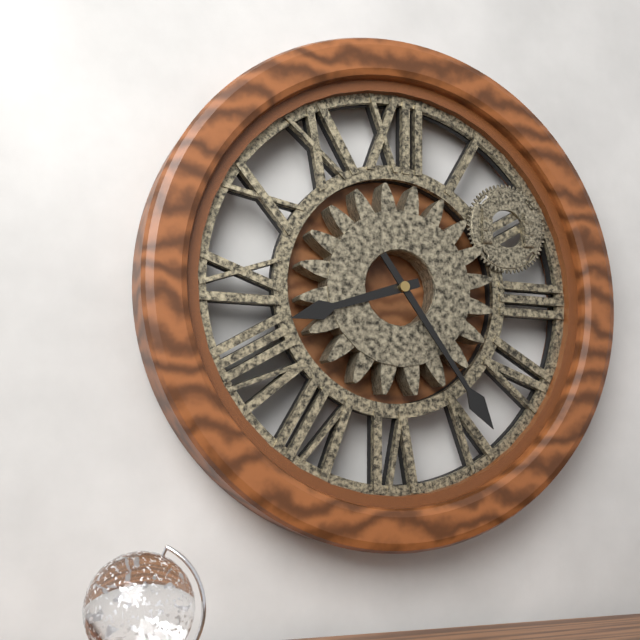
{"hour": 8, "minute": 24}
